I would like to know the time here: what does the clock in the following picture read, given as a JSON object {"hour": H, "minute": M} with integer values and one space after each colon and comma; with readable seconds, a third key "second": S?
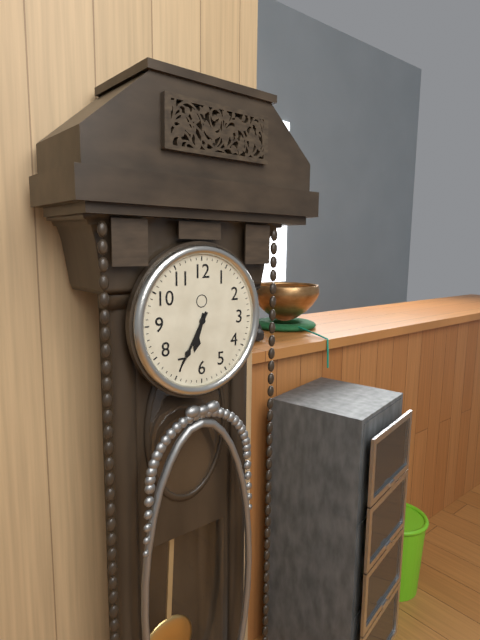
{"hour": 6, "minute": 35}
